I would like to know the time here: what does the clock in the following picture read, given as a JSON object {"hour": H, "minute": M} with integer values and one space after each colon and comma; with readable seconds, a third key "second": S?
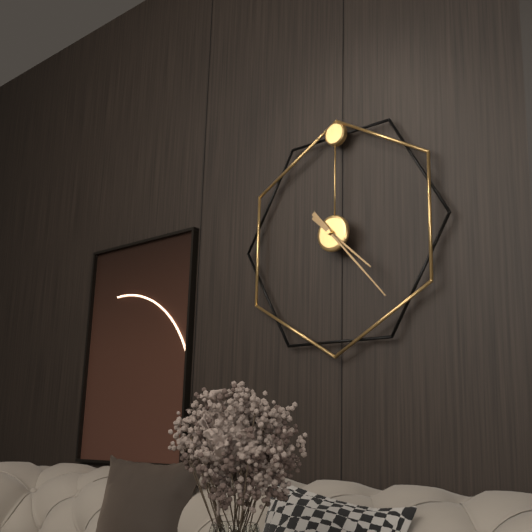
{"hour": 4, "minute": 23}
